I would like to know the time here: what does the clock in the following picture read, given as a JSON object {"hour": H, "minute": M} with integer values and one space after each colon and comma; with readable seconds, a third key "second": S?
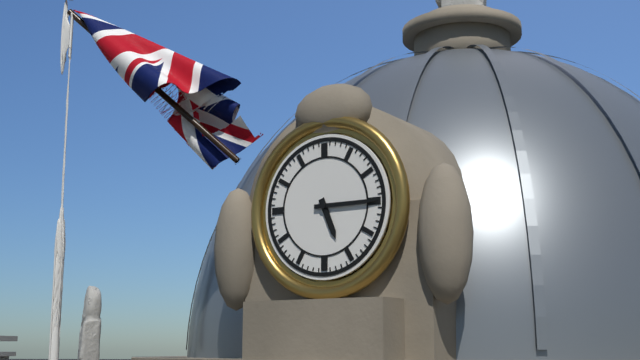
{"hour": 5, "minute": 15}
